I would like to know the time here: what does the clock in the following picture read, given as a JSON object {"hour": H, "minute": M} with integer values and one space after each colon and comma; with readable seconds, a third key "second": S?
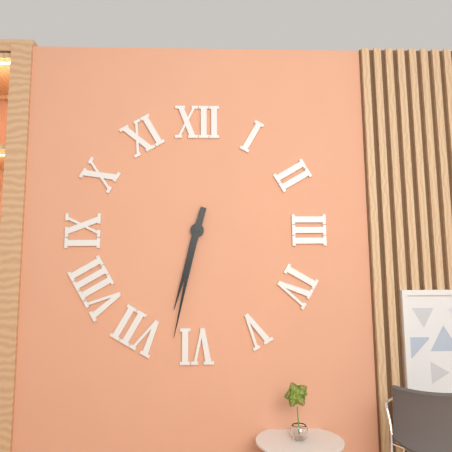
{"hour": 6, "minute": 32}
